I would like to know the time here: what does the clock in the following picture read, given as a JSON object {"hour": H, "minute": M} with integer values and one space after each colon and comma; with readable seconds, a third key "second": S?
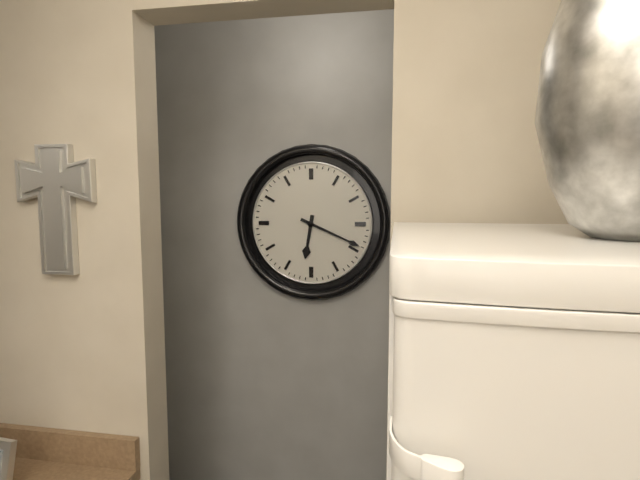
{"hour": 6, "minute": 19}
